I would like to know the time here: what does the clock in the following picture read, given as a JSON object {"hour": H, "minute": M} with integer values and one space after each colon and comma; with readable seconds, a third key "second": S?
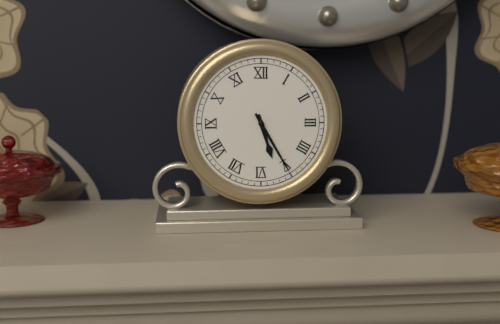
{"hour": 5, "minute": 25}
